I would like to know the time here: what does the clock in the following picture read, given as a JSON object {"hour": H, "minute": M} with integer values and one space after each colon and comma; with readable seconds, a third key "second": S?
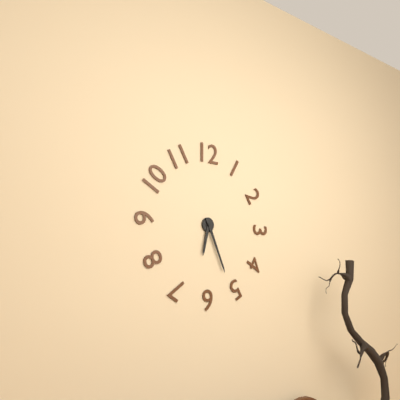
{"hour": 6, "minute": 26}
